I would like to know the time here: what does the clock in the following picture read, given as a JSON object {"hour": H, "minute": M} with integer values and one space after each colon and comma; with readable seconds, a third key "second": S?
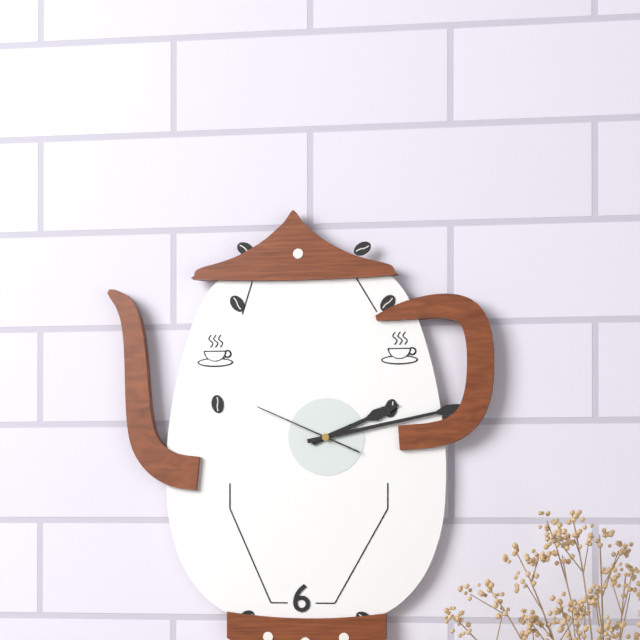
{"hour": 2, "minute": 13, "second": 49}
